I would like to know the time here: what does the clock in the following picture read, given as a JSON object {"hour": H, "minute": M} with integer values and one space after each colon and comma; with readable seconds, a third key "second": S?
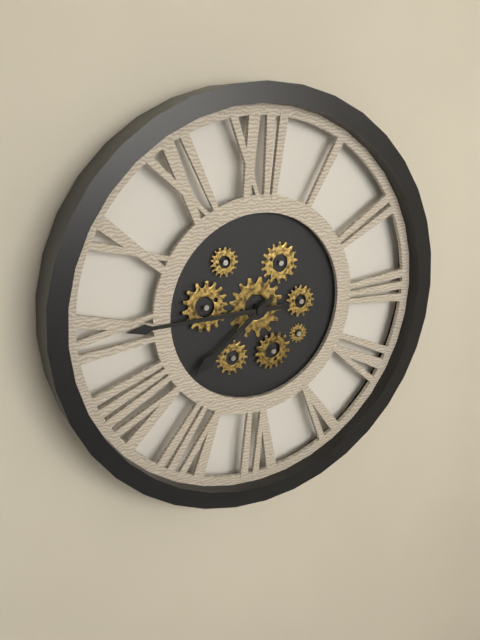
{"hour": 7, "minute": 45}
